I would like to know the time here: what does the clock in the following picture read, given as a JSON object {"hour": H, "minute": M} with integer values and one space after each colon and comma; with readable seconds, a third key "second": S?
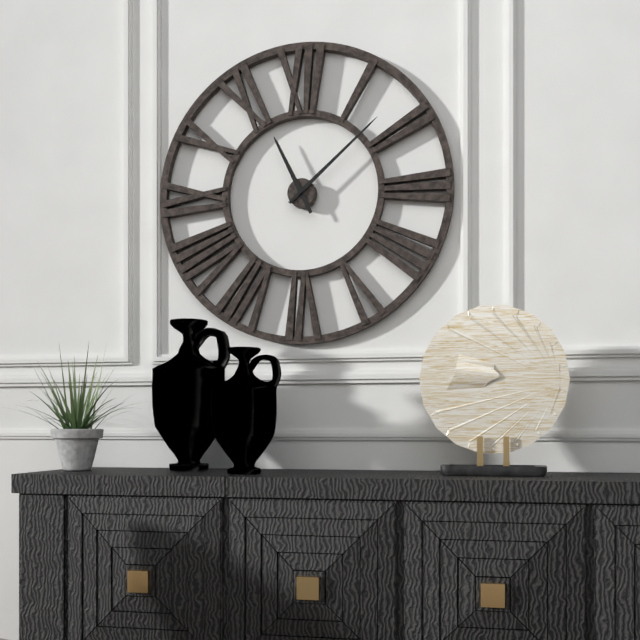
{"hour": 11, "minute": 8}
